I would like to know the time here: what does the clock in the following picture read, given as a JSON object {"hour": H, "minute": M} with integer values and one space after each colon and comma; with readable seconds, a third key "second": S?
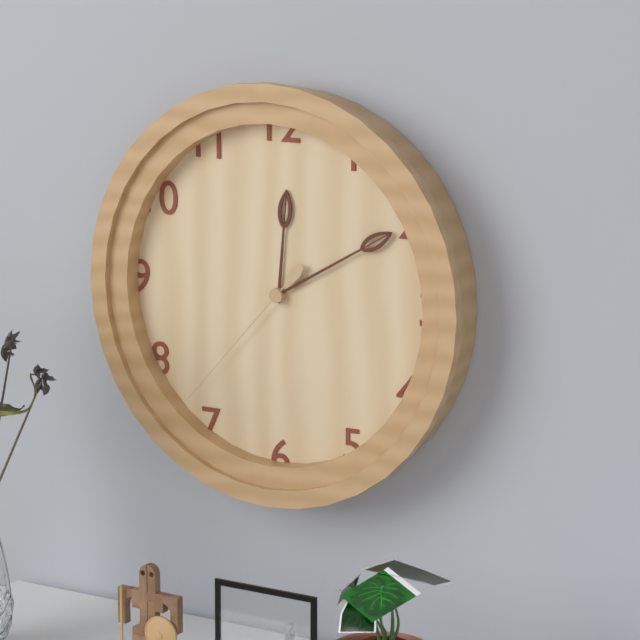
{"hour": 12, "minute": 10, "second": 37}
